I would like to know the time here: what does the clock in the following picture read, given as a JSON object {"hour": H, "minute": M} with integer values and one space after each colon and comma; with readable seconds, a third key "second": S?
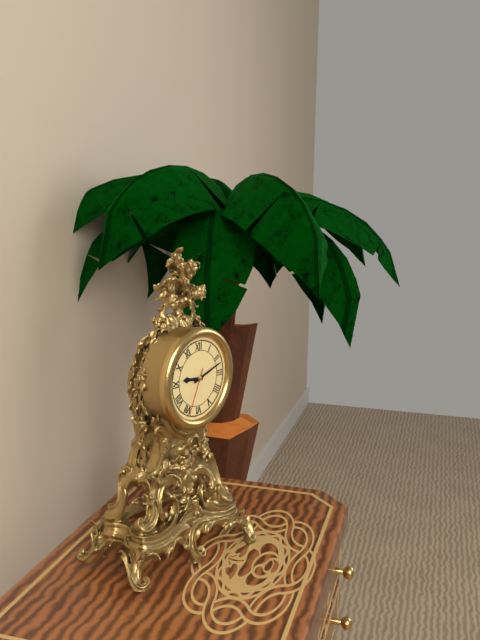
{"hour": 9, "minute": 12}
